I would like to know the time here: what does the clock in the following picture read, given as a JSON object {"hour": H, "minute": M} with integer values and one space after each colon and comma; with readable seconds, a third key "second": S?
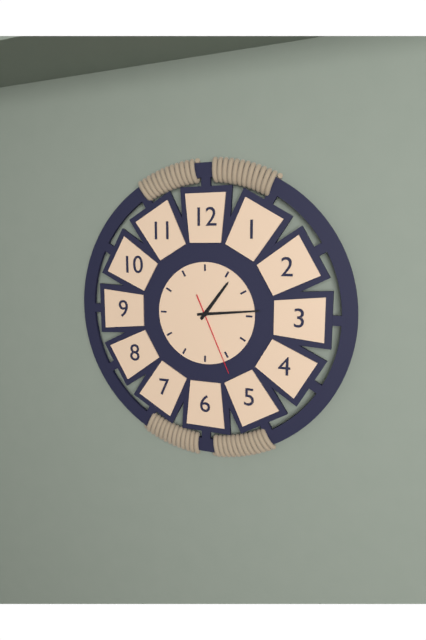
{"hour": 1, "minute": 14, "second": 26}
